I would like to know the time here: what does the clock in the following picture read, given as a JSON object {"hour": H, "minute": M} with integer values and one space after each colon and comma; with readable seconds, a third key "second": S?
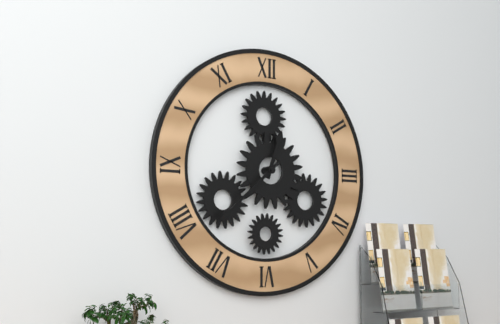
{"hour": 12, "minute": 38}
